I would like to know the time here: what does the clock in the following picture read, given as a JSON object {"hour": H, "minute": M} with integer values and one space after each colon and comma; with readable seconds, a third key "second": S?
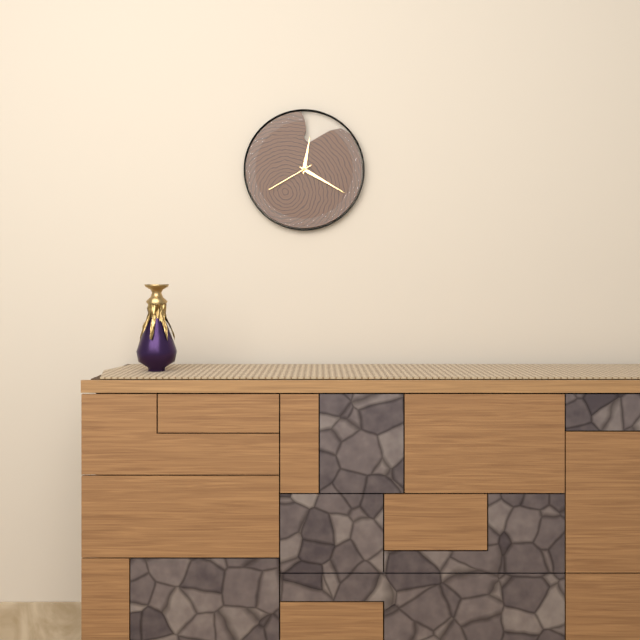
{"hour": 12, "minute": 20, "second": 40}
